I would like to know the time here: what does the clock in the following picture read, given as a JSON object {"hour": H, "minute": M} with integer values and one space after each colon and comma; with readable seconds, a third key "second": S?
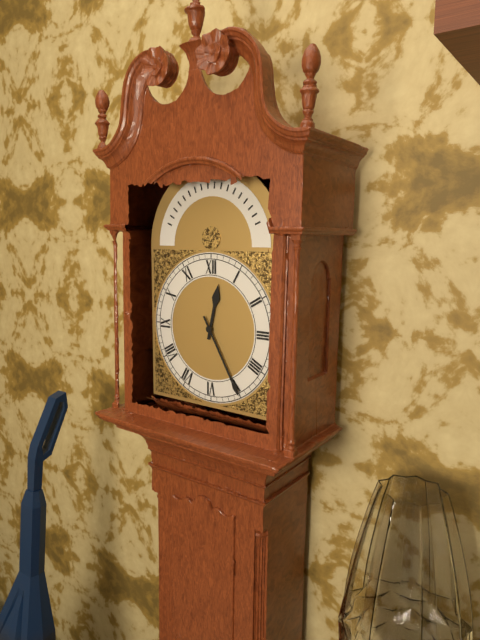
{"hour": 12, "minute": 25}
